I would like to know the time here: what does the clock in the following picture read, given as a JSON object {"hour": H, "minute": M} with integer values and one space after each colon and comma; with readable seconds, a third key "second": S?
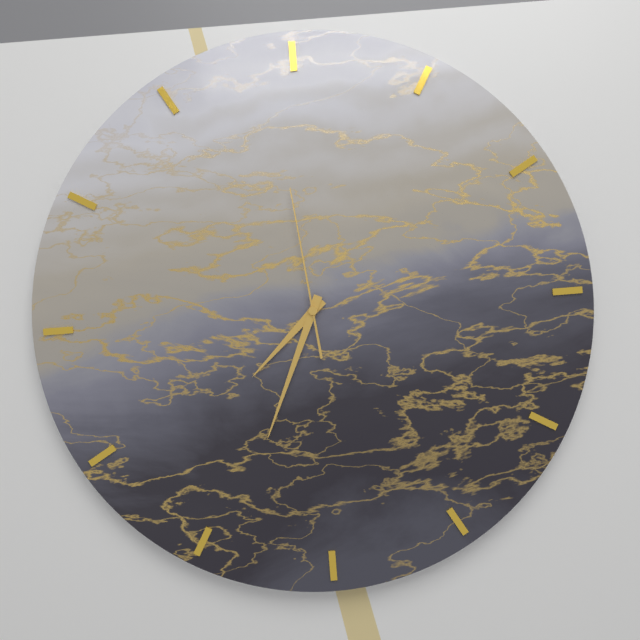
{"hour": 7, "minute": 34, "second": 59}
